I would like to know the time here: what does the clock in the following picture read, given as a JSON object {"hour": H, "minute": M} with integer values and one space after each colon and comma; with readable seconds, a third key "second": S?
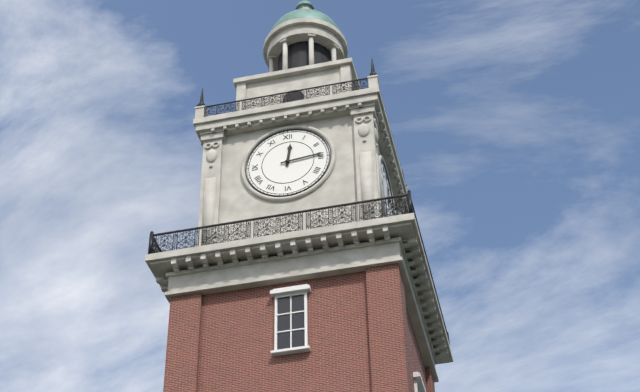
{"hour": 12, "minute": 14}
